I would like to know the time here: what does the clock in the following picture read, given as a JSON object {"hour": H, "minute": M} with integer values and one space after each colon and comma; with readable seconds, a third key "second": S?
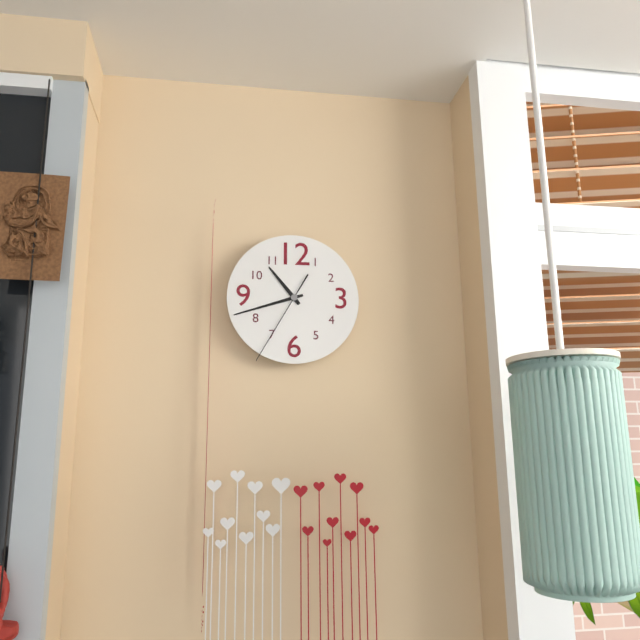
{"hour": 10, "minute": 42, "second": 35}
